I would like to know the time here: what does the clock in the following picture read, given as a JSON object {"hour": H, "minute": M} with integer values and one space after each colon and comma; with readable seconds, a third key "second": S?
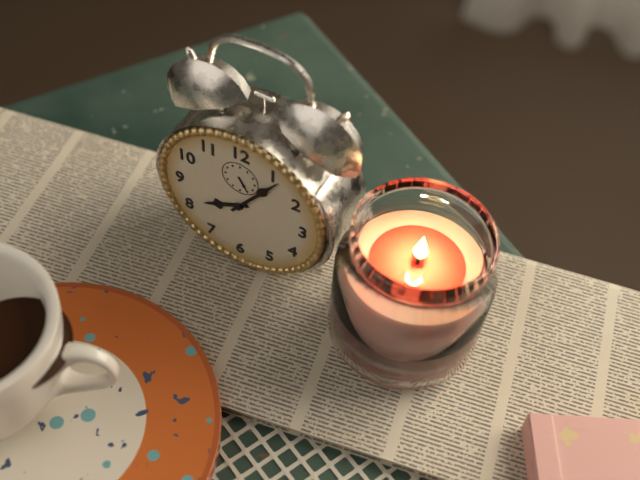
{"hour": 8, "minute": 6}
